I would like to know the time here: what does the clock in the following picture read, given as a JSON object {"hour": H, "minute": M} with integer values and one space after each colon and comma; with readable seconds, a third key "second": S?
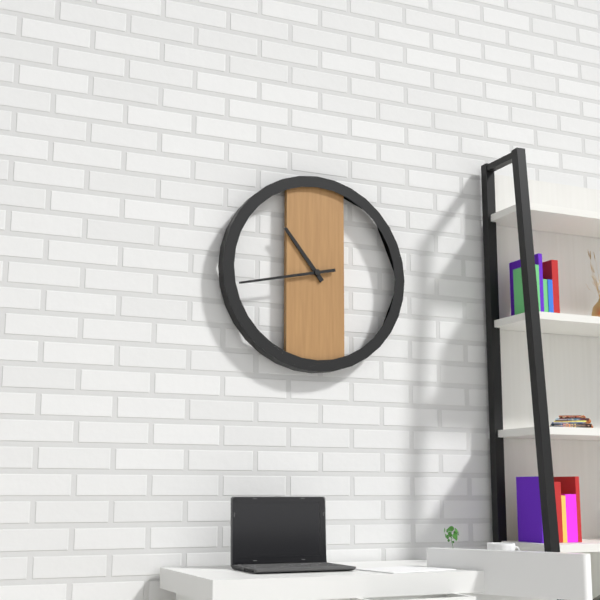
{"hour": 10, "minute": 43}
